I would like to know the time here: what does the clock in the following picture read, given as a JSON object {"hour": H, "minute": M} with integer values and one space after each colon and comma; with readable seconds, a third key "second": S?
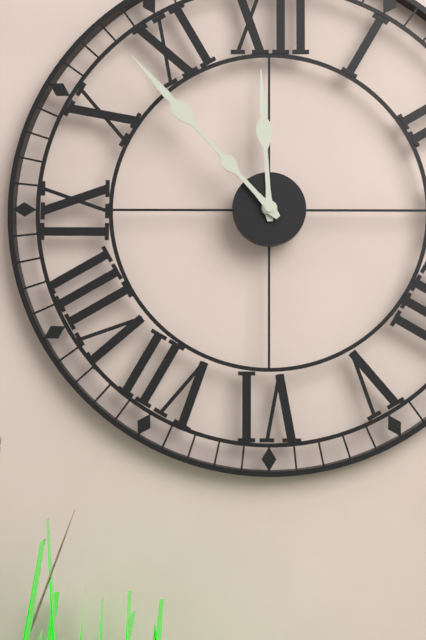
{"hour": 11, "minute": 53}
